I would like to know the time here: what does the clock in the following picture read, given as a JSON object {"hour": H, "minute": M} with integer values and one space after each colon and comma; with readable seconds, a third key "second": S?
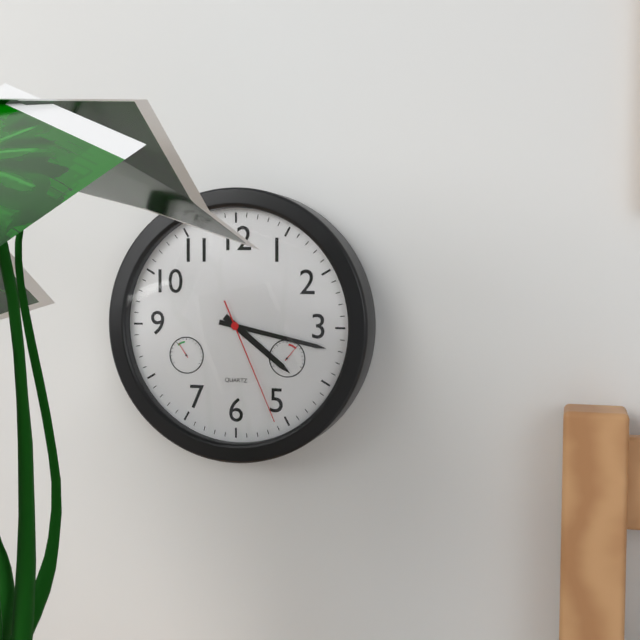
{"hour": 4, "minute": 17, "second": 26}
